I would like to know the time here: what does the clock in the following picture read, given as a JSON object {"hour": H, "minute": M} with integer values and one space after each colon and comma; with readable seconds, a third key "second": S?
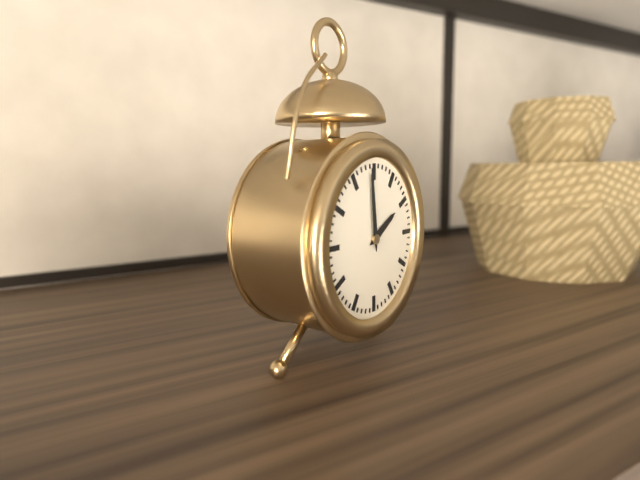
{"hour": 1, "minute": 59}
